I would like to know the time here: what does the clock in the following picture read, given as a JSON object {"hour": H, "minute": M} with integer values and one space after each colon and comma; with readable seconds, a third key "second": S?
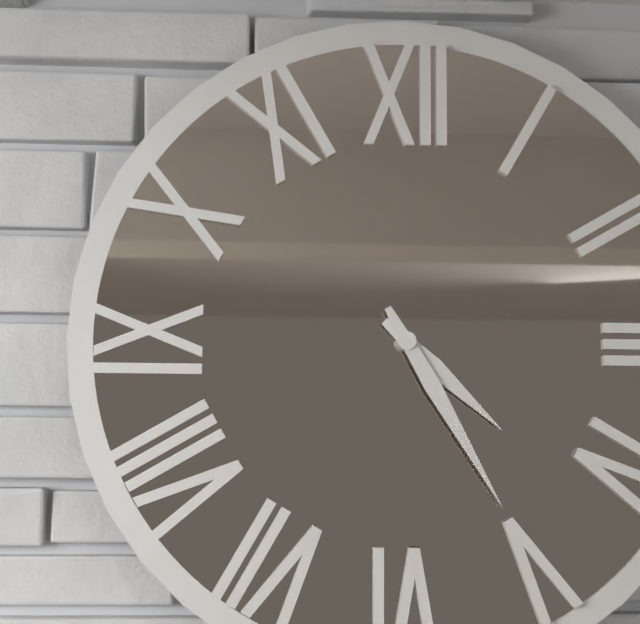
{"hour": 4, "minute": 25}
